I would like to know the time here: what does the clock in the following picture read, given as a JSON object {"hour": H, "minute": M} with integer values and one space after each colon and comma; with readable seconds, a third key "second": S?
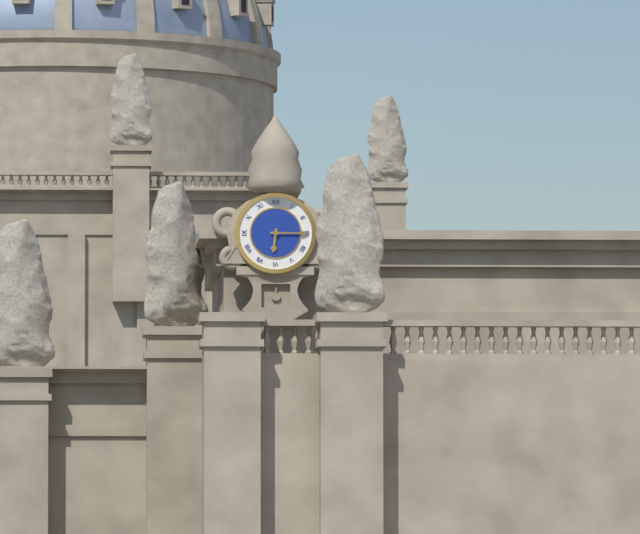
{"hour": 6, "minute": 15}
